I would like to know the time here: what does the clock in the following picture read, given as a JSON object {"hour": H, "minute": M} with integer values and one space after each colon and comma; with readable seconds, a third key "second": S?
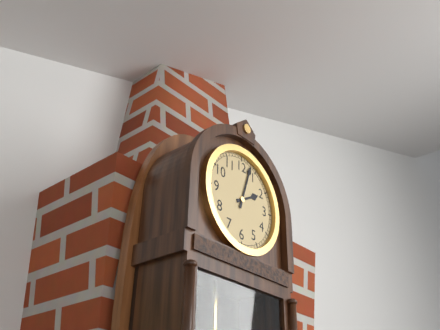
{"hour": 2, "minute": 3}
